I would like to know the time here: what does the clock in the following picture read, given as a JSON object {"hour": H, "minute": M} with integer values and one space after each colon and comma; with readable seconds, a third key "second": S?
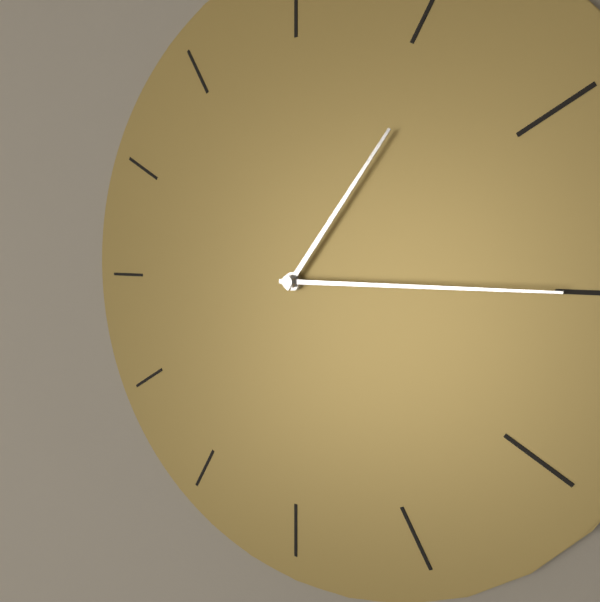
{"hour": 1, "minute": 15}
